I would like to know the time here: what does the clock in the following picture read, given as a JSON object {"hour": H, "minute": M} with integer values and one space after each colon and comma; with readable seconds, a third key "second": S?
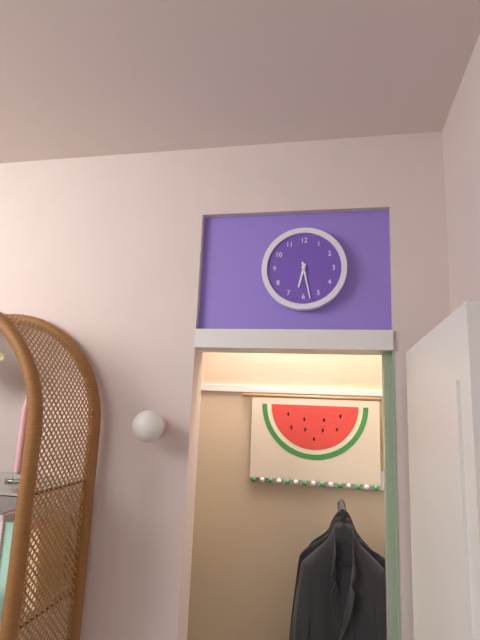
{"hour": 6, "minute": 28}
